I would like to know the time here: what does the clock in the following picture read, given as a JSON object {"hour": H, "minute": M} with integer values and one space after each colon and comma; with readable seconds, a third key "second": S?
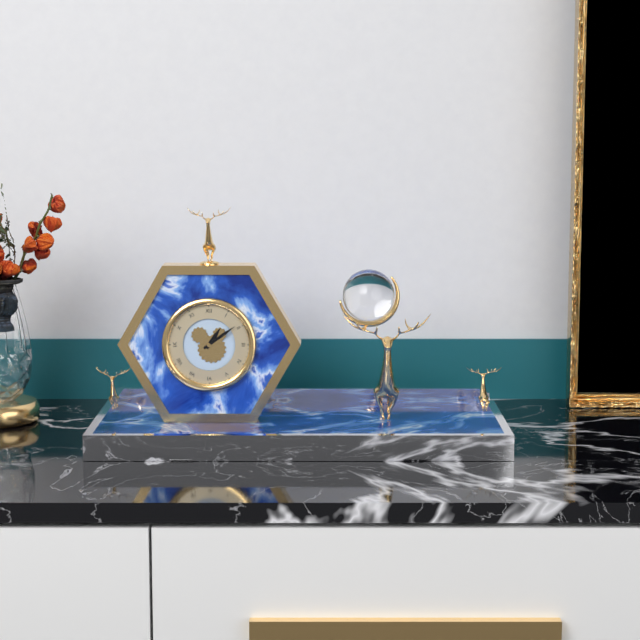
{"hour": 1, "minute": 9}
